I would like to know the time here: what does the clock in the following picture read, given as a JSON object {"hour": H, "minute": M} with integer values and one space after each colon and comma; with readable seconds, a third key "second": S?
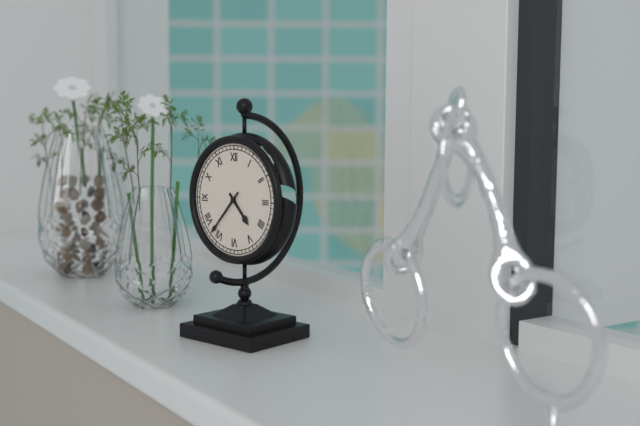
{"hour": 4, "minute": 37}
